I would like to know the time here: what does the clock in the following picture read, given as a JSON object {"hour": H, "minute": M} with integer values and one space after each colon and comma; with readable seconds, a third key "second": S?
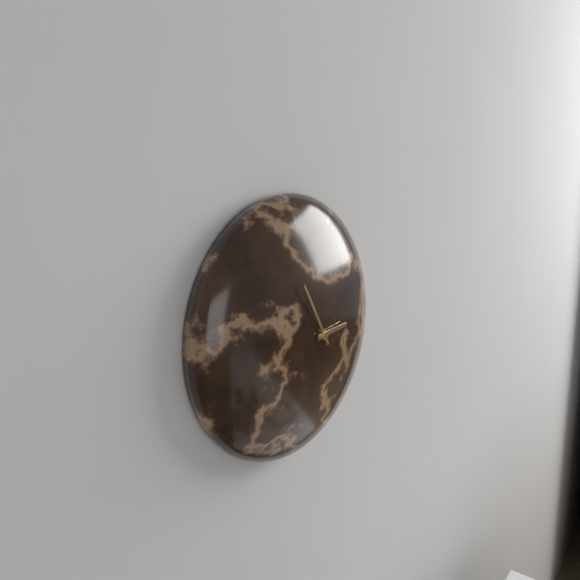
{"hour": 2, "minute": 55}
